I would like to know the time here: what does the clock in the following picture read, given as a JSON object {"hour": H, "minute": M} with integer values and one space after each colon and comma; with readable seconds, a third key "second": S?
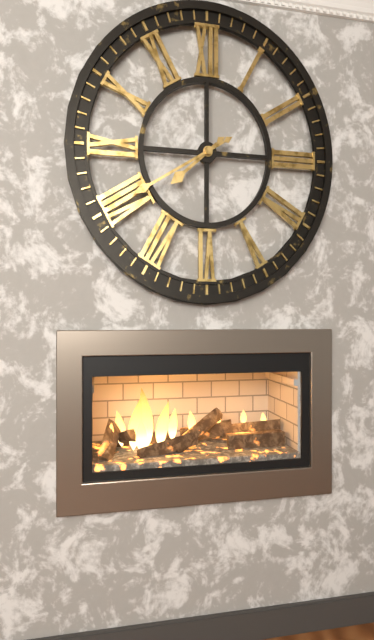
{"hour": 7, "minute": 40}
